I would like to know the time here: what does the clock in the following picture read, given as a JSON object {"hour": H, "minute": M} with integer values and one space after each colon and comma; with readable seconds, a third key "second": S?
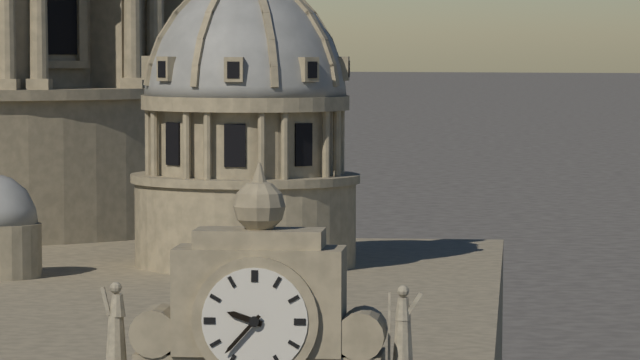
{"hour": 9, "minute": 37}
